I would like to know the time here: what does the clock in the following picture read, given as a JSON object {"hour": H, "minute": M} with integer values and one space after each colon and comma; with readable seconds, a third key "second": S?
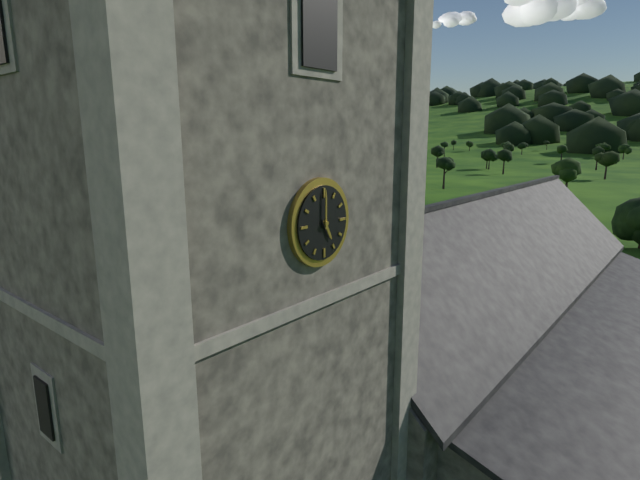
{"hour": 5, "minute": 0}
